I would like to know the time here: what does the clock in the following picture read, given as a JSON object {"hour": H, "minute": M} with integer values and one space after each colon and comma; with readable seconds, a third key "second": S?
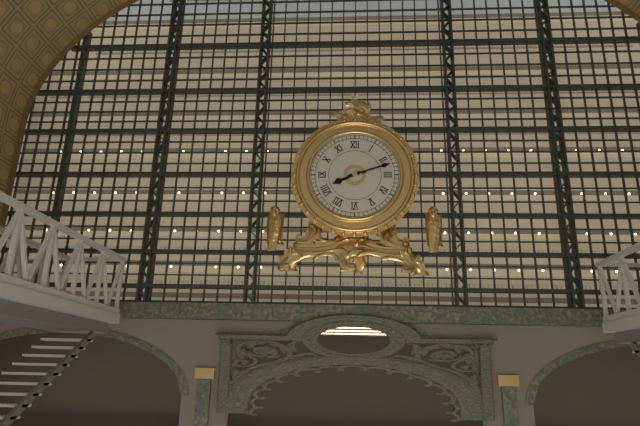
{"hour": 8, "minute": 12}
